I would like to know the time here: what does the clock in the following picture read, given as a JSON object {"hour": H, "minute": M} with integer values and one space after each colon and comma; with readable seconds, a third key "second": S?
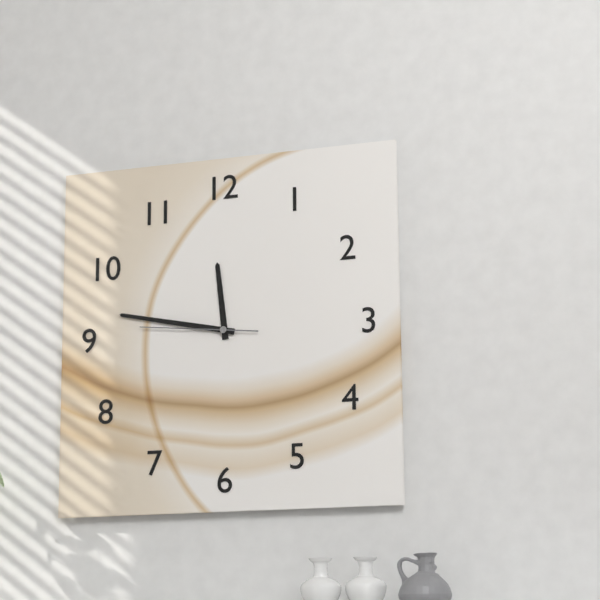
{"hour": 11, "minute": 47, "second": 46}
